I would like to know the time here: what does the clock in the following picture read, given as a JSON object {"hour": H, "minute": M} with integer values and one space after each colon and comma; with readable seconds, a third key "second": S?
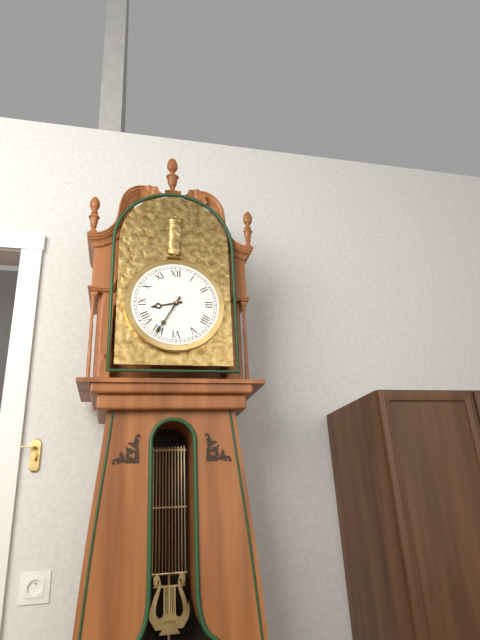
{"hour": 8, "minute": 35}
